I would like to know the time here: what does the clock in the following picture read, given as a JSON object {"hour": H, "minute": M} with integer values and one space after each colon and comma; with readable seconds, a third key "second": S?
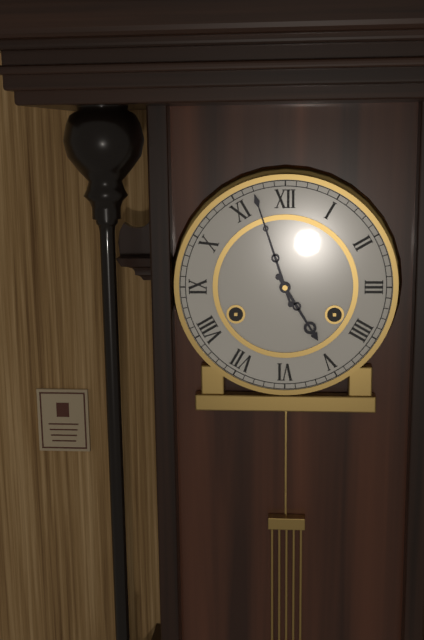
{"hour": 4, "minute": 57}
